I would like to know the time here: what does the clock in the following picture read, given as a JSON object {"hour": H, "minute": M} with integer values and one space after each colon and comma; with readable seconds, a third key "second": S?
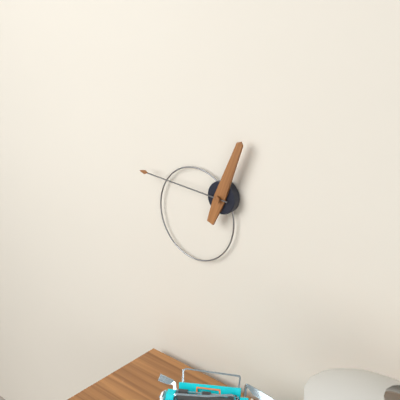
{"hour": 12, "minute": 46}
